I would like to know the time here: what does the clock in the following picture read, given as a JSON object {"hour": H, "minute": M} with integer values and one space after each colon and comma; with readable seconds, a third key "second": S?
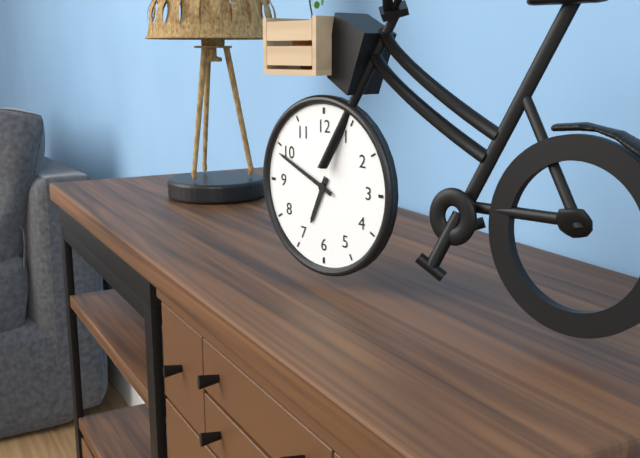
{"hour": 6, "minute": 49}
